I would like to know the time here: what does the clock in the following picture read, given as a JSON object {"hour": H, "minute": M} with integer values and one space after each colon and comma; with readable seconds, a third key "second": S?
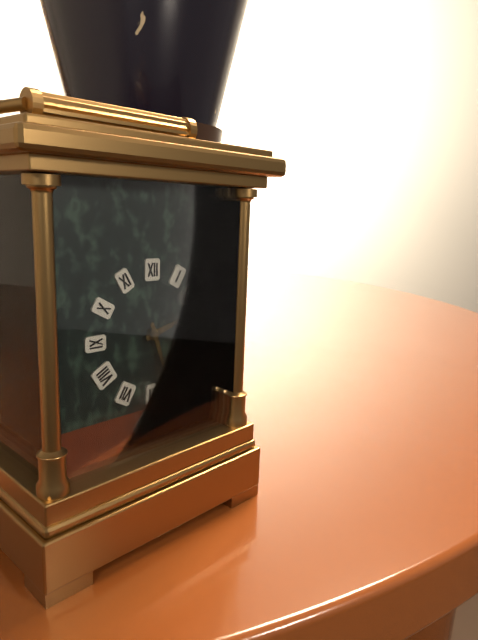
{"hour": 2, "minute": 27}
